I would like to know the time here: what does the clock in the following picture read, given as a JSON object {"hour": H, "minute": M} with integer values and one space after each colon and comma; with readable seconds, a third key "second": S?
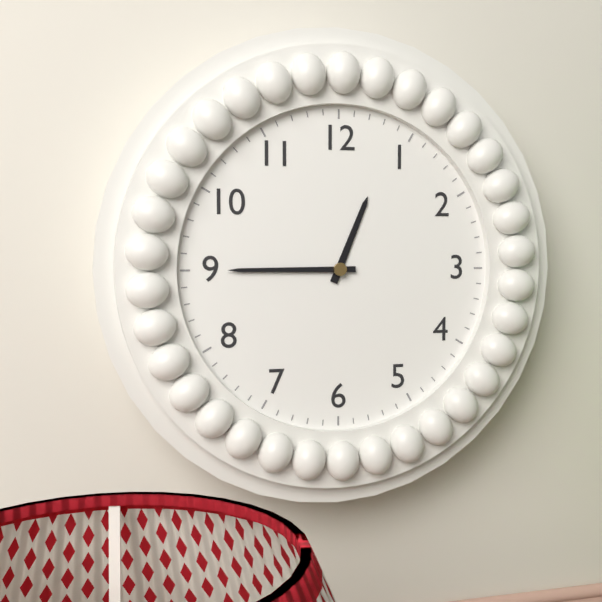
{"hour": 12, "minute": 45}
